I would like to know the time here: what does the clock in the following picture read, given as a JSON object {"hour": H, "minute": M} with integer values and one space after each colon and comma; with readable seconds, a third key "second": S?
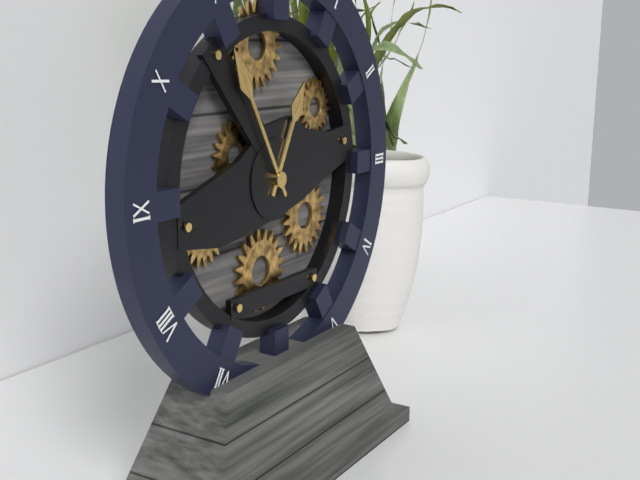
{"hour": 12, "minute": 55}
